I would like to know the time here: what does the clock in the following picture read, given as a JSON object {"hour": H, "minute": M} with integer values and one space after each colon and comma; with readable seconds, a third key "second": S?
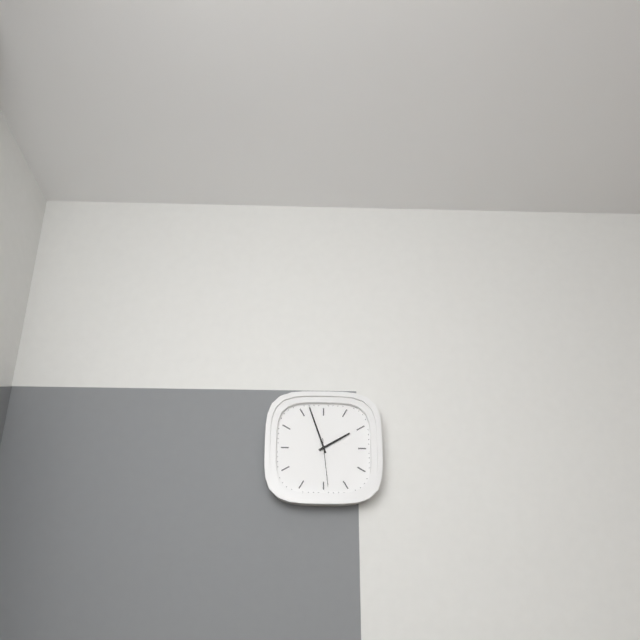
{"hour": 1, "minute": 57}
